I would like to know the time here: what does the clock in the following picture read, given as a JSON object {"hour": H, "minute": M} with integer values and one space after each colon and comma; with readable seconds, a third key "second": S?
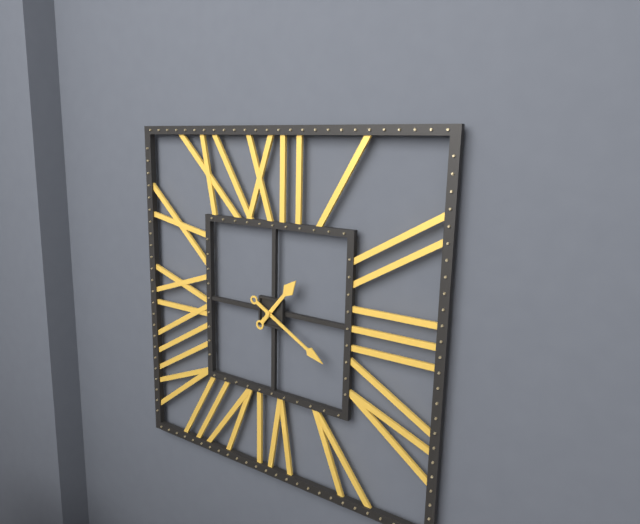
{"hour": 1, "minute": 20}
